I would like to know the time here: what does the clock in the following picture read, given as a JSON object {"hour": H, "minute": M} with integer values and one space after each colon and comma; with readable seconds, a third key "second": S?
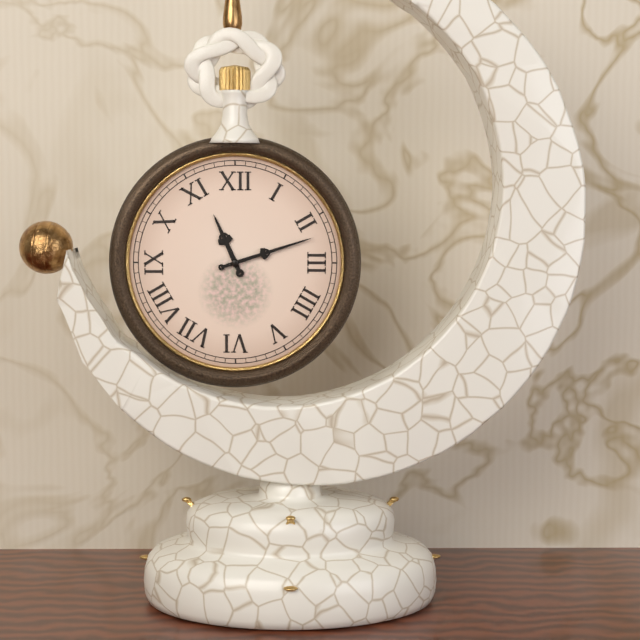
{"hour": 11, "minute": 12}
